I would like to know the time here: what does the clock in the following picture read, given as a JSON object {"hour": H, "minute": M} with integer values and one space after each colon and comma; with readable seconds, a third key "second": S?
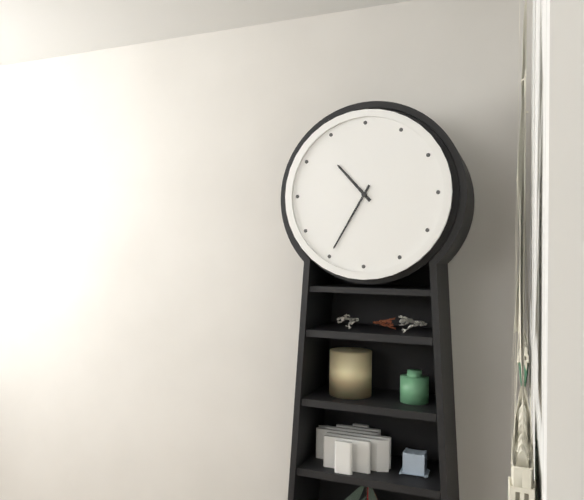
{"hour": 10, "minute": 35}
